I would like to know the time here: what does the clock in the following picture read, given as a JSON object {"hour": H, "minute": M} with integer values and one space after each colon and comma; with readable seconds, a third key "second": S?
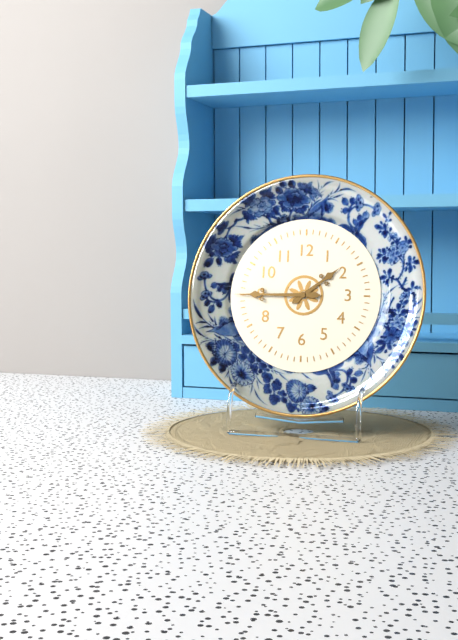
{"hour": 1, "minute": 45}
